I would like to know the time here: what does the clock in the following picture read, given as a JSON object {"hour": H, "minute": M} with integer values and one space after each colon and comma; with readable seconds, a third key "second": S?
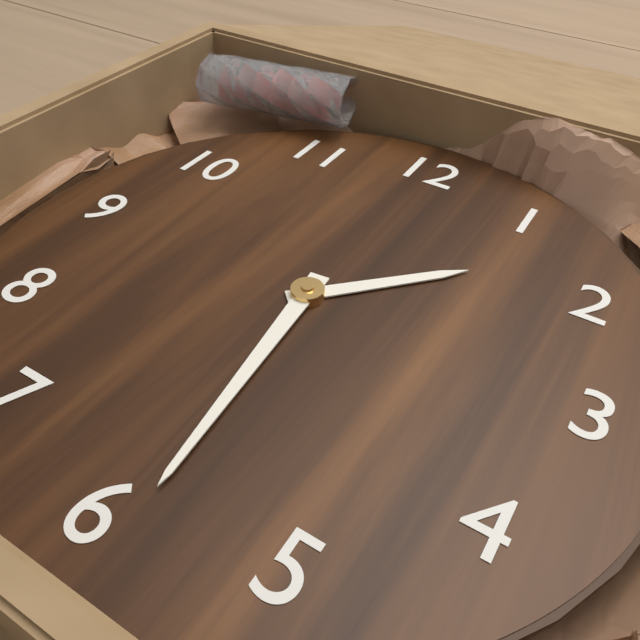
{"hour": 1, "minute": 29}
